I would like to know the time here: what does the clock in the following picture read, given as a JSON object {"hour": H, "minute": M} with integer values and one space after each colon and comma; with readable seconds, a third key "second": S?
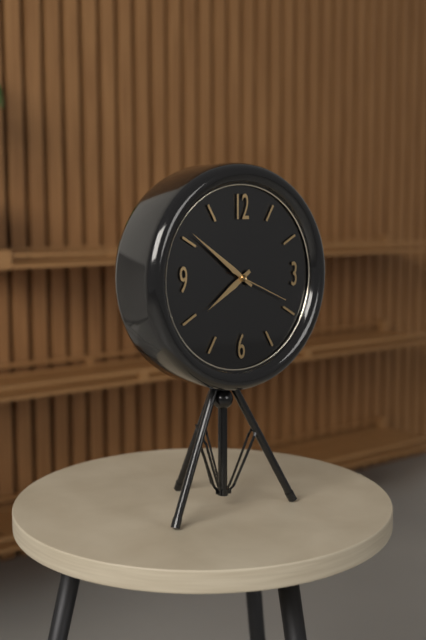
{"hour": 7, "minute": 51, "second": 19}
